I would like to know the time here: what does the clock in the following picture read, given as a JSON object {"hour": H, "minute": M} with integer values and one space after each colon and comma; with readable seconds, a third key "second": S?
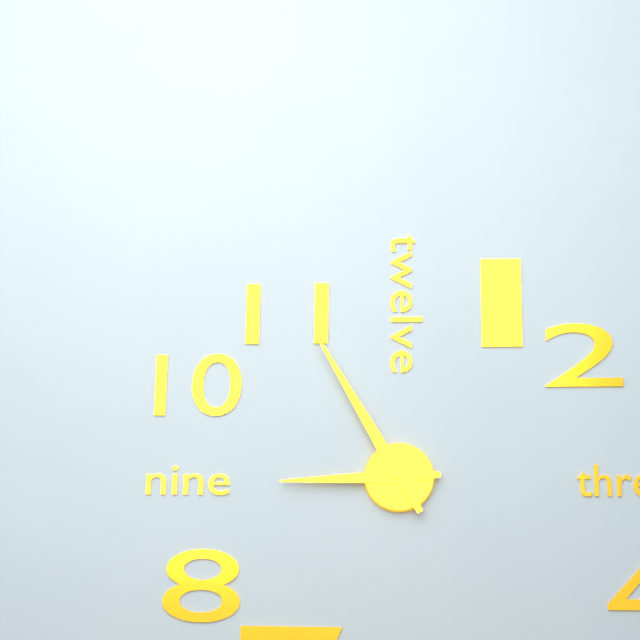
{"hour": 8, "minute": 55}
